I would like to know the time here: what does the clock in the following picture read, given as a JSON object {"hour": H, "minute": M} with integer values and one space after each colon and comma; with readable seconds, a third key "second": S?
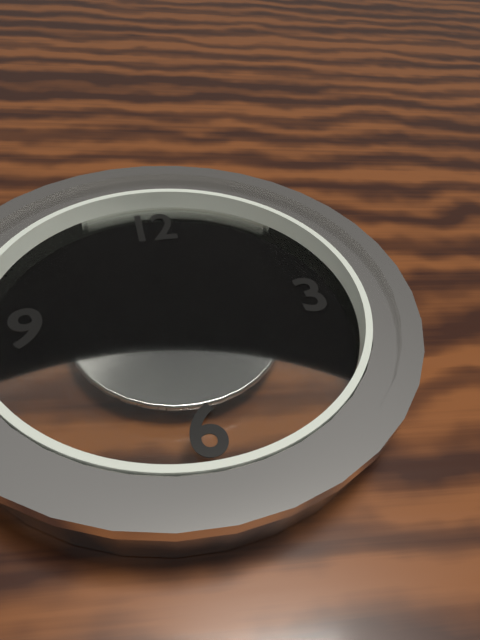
{"hour": 10, "minute": 50}
